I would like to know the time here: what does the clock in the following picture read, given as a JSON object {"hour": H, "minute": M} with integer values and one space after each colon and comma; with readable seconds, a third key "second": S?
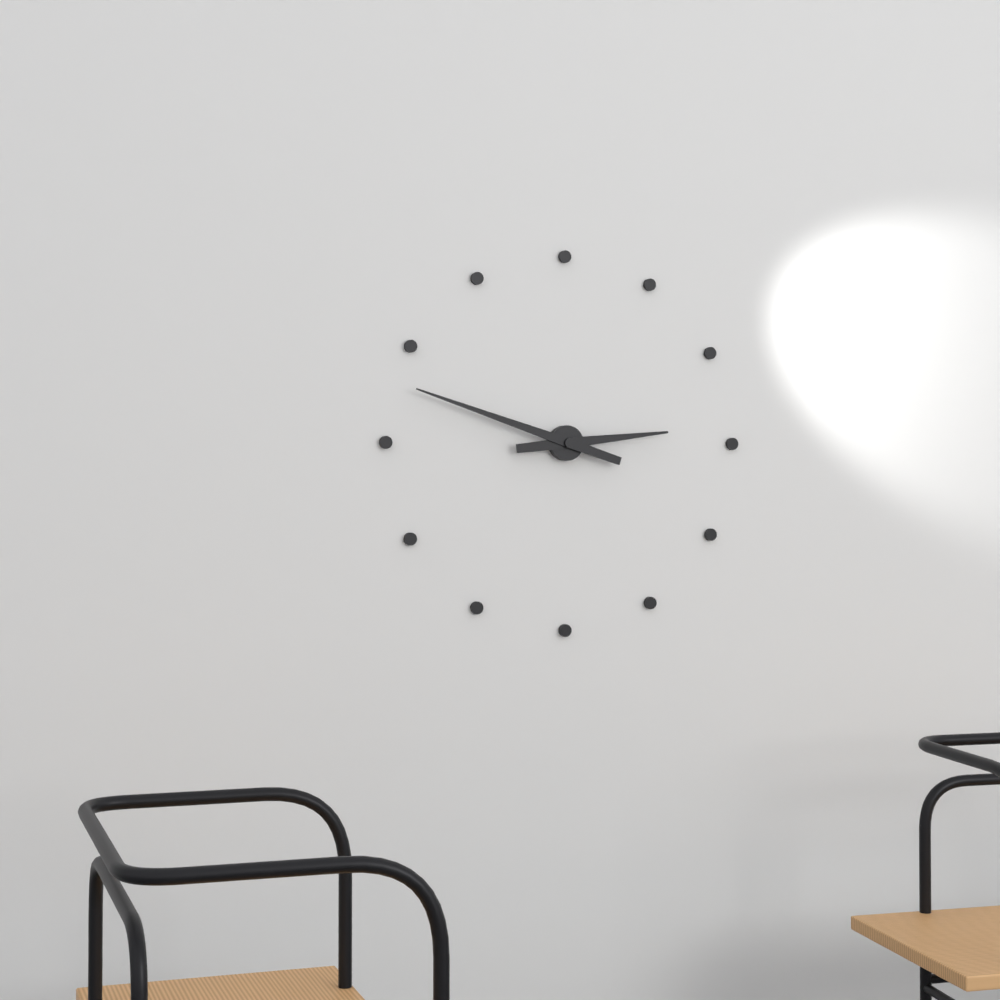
{"hour": 2, "minute": 48}
